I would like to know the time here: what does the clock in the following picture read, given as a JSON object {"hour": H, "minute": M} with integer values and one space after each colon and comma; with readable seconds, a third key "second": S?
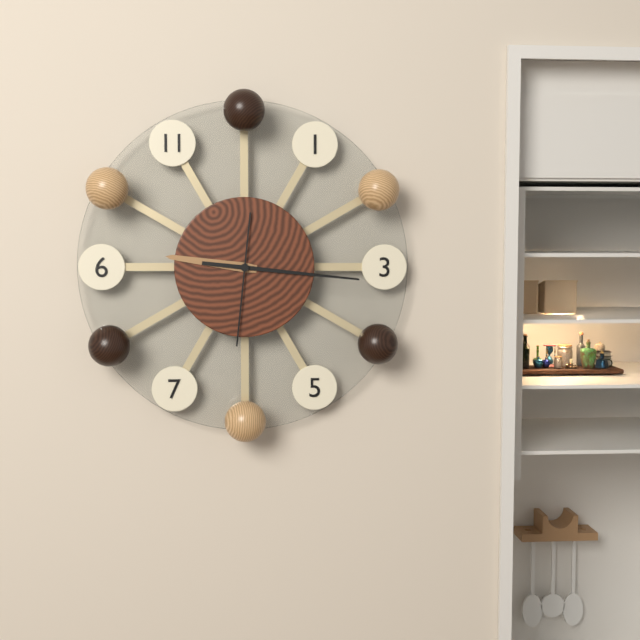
{"hour": 9, "minute": 16, "second": 31}
